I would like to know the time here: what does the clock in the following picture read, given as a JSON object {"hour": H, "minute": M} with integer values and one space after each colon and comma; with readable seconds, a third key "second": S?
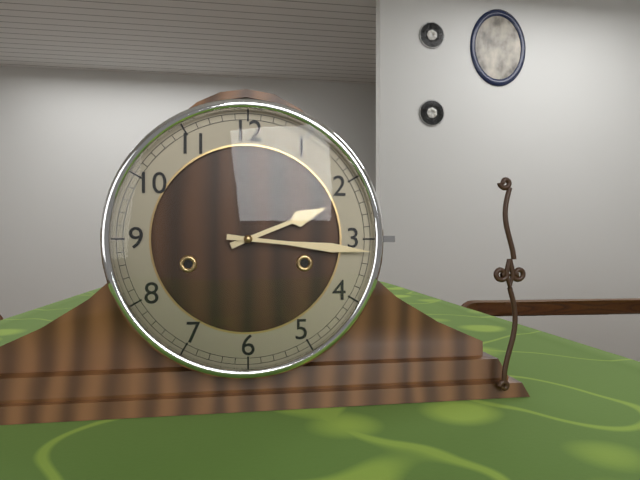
{"hour": 2, "minute": 16}
